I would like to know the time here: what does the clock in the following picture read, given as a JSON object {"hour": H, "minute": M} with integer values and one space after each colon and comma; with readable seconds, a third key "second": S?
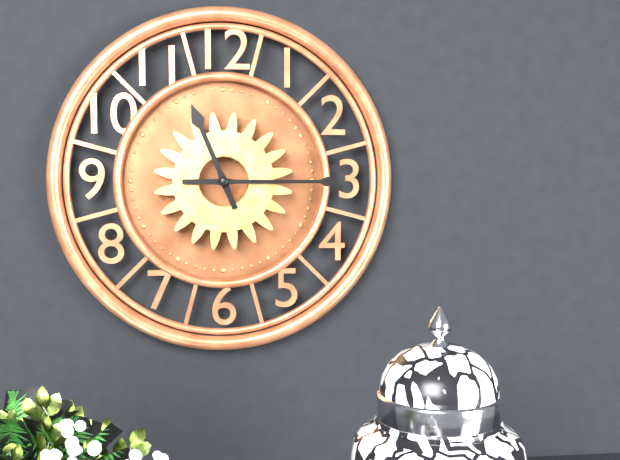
{"hour": 11, "minute": 15}
